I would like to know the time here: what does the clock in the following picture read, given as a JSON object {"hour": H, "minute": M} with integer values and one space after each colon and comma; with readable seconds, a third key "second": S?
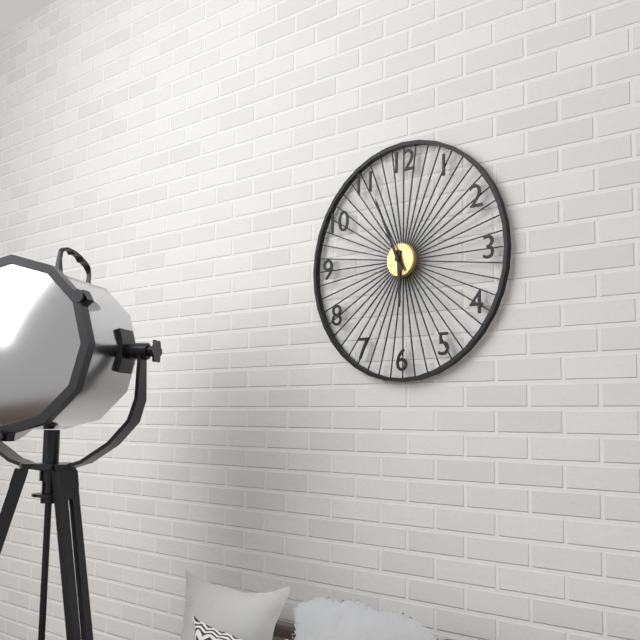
{"hour": 5, "minute": 56}
